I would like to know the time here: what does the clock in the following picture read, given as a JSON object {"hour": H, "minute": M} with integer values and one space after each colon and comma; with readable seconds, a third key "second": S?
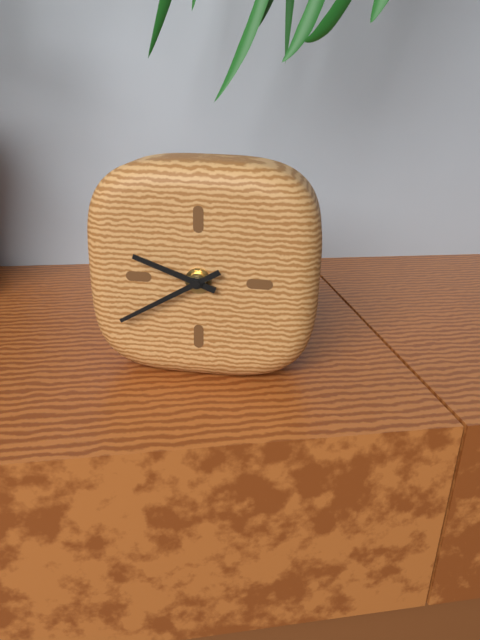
{"hour": 9, "minute": 40}
